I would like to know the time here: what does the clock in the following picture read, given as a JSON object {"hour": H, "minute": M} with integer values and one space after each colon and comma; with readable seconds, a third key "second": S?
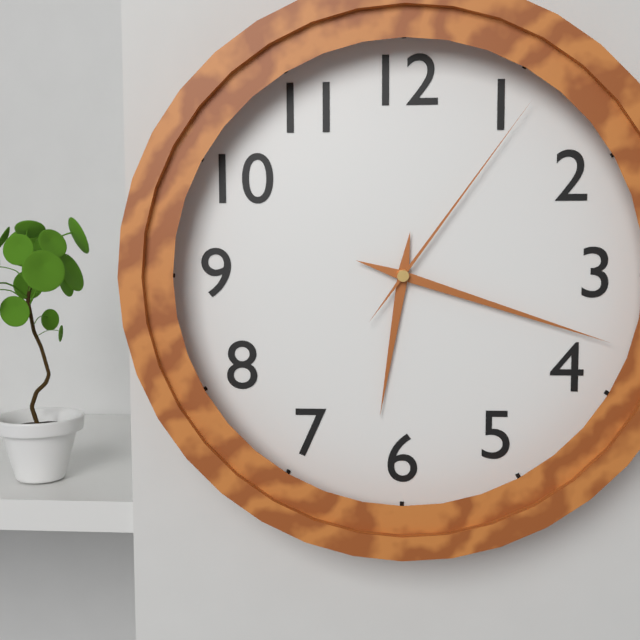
{"hour": 6, "minute": 18, "second": 6}
